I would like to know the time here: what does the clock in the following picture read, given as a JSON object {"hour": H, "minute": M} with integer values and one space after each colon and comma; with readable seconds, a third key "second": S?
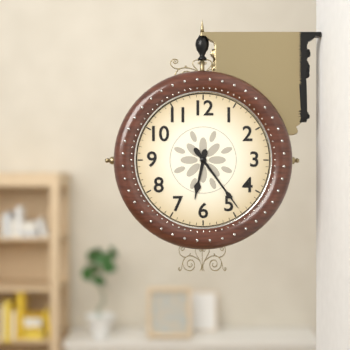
{"hour": 6, "minute": 24}
